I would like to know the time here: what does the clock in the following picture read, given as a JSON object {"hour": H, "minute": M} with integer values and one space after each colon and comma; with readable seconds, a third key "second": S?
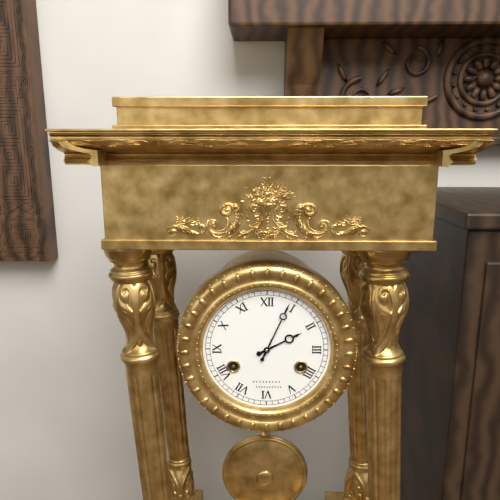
{"hour": 2, "minute": 4}
